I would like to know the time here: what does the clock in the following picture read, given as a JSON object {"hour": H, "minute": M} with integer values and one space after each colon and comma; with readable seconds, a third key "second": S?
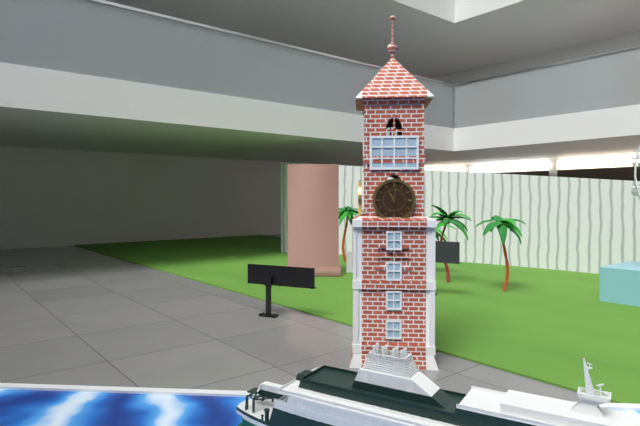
{"hour": 11, "minute": 1}
